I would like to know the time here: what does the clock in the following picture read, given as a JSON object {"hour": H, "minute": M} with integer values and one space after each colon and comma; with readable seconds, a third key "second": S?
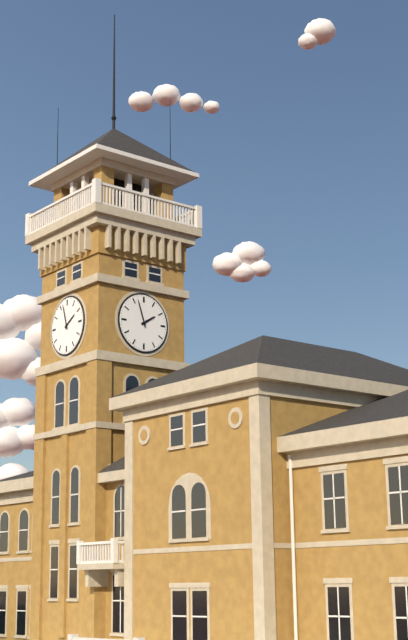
{"hour": 1, "minute": 57}
